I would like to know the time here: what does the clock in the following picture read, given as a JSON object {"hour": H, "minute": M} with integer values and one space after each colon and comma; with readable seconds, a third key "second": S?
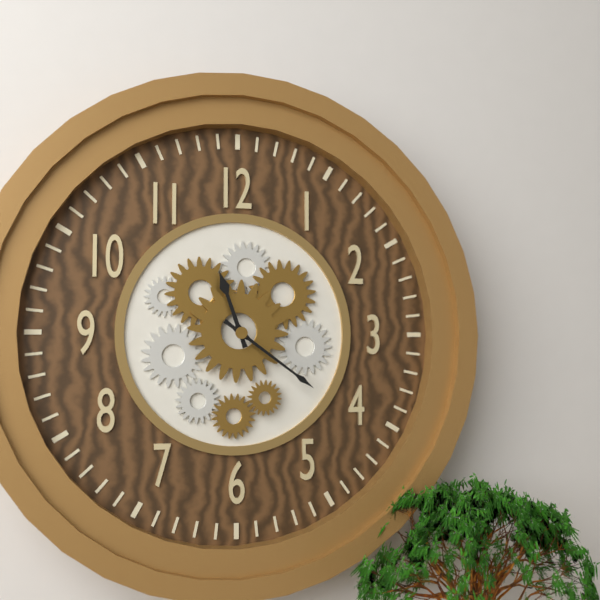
{"hour": 11, "minute": 21}
